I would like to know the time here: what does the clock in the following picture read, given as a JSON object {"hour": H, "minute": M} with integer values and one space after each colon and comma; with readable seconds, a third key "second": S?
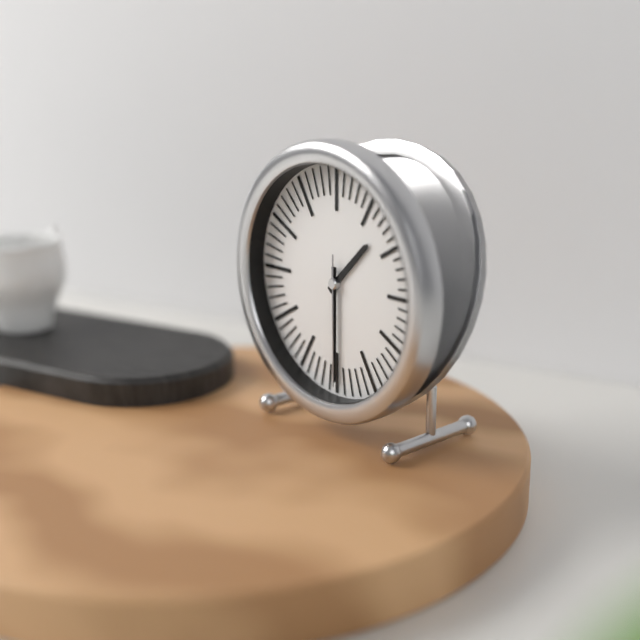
{"hour": 1, "minute": 30, "second": 30}
